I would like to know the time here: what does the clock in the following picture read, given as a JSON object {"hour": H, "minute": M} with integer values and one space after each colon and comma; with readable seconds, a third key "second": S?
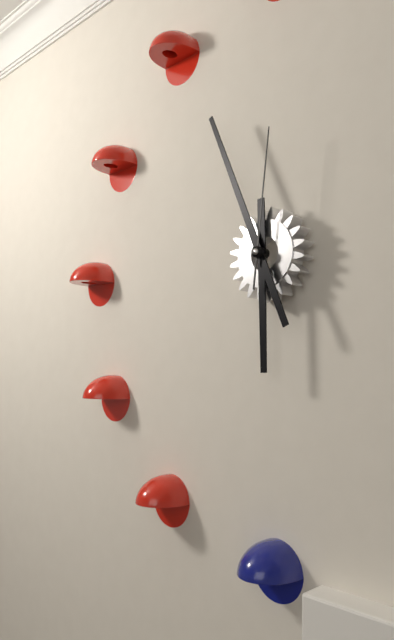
{"hour": 5, "minute": 56, "second": 1}
